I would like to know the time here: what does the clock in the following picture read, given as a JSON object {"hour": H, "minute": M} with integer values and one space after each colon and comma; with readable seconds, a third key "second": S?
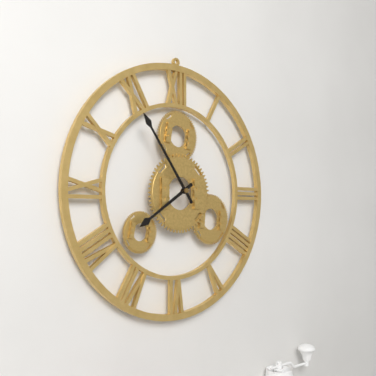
{"hour": 7, "minute": 54}
